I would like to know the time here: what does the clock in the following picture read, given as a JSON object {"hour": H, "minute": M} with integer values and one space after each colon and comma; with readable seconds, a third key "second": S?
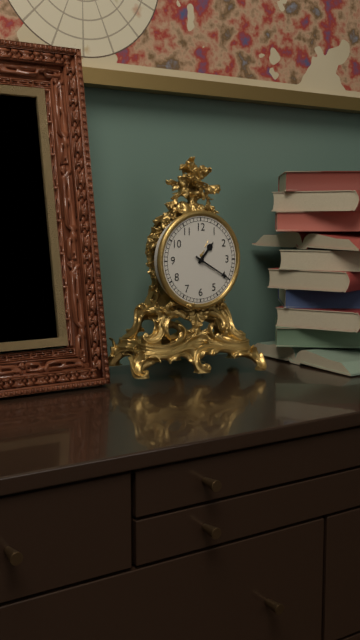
{"hour": 1, "minute": 20}
